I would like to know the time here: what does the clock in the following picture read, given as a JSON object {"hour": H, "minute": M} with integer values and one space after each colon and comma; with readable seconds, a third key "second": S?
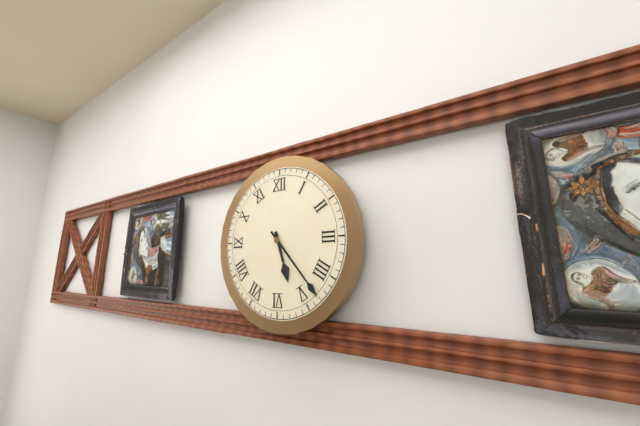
{"hour": 5, "minute": 23}
